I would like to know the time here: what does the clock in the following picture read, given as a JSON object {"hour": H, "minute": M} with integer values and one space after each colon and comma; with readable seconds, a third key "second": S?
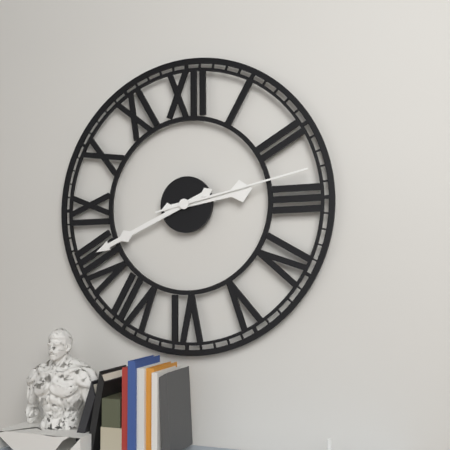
{"hour": 2, "minute": 41, "second": 13}
